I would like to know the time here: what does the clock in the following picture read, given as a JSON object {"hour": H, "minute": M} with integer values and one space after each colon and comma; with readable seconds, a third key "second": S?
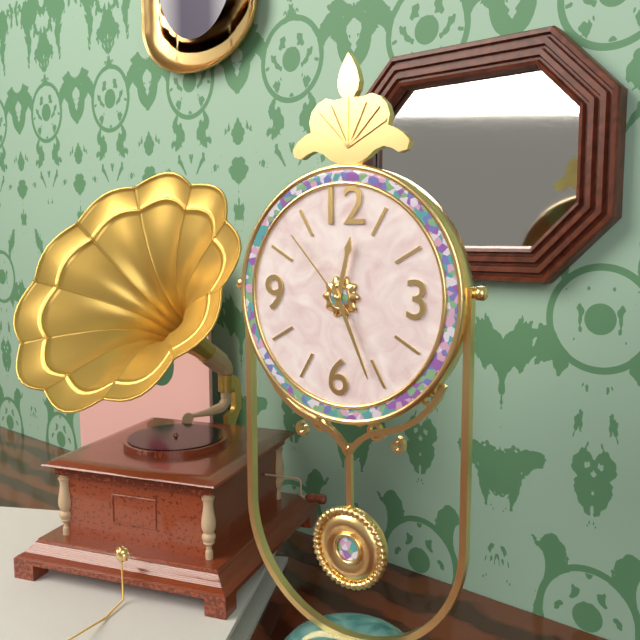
{"hour": 12, "minute": 26, "second": 53}
